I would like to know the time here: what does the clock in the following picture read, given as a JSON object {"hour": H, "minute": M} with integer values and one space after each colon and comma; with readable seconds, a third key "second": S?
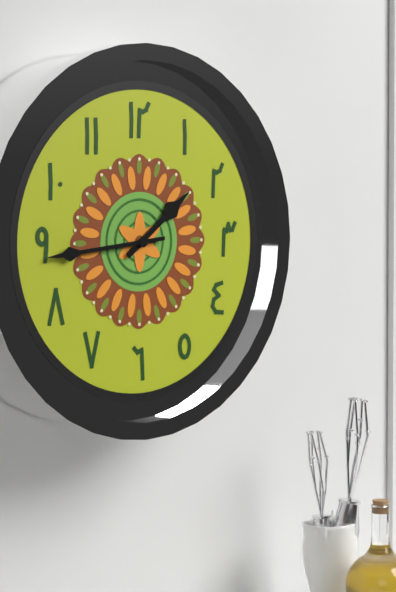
{"hour": 1, "minute": 44}
